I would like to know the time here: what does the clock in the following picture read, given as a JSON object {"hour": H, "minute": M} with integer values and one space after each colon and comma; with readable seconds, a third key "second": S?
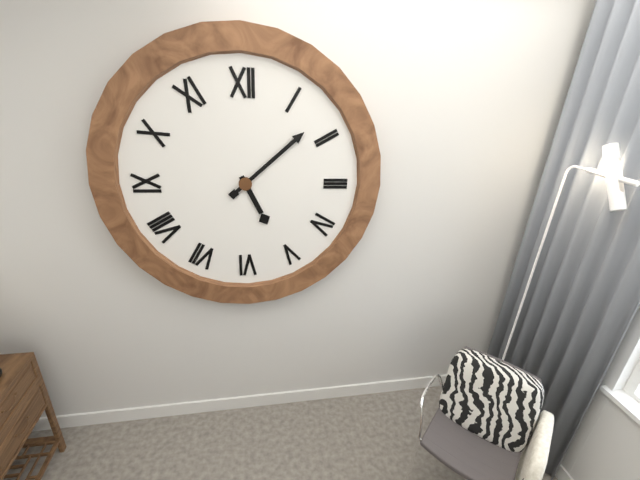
{"hour": 5, "minute": 8}
